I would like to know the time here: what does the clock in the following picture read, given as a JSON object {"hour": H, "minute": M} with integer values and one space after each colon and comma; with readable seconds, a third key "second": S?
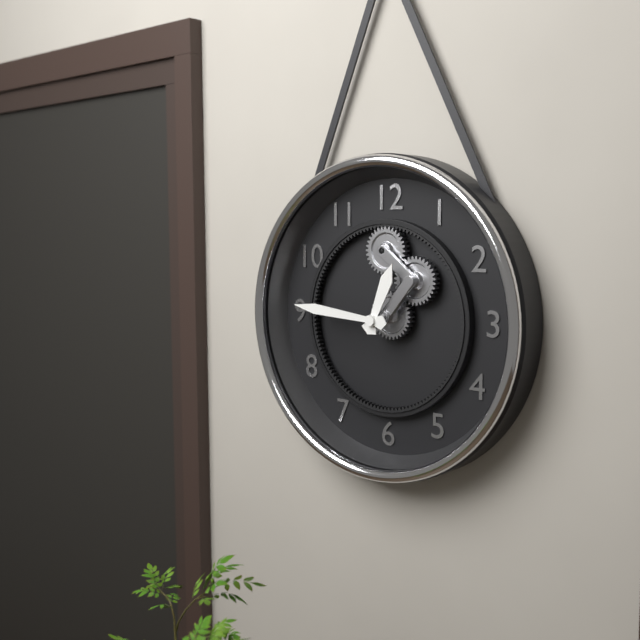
{"hour": 12, "minute": 46}
